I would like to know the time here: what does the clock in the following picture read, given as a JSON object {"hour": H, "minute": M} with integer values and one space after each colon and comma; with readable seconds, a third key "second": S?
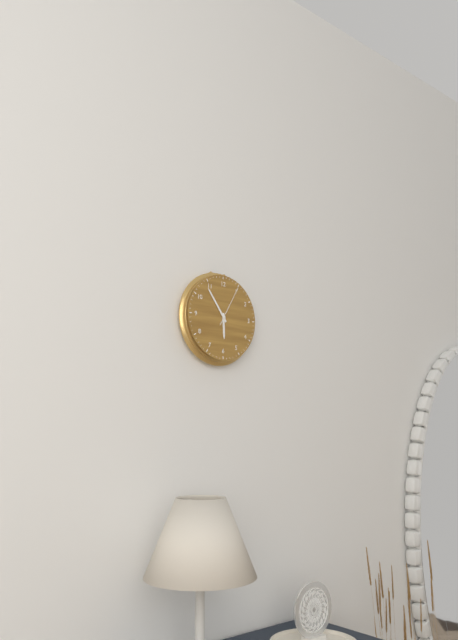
{"hour": 5, "minute": 54}
